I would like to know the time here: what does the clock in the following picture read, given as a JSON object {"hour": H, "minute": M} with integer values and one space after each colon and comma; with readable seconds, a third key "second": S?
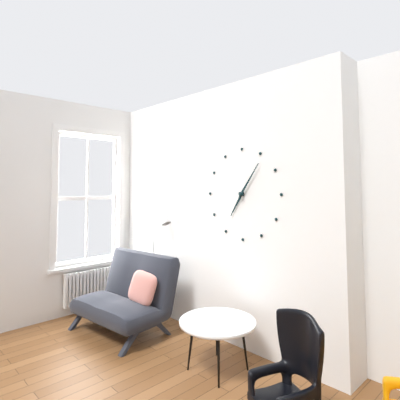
{"hour": 7, "minute": 6}
